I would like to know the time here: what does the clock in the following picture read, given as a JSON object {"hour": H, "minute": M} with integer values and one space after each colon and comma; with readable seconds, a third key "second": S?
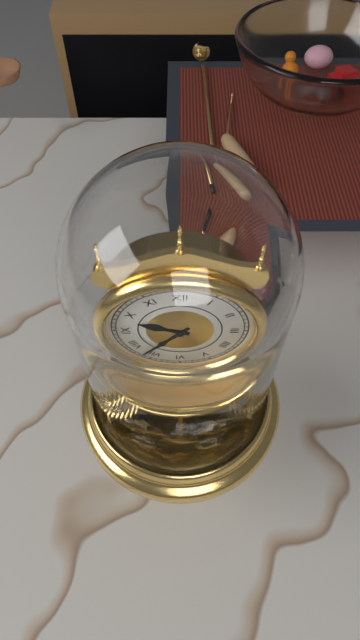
{"hour": 9, "minute": 37}
